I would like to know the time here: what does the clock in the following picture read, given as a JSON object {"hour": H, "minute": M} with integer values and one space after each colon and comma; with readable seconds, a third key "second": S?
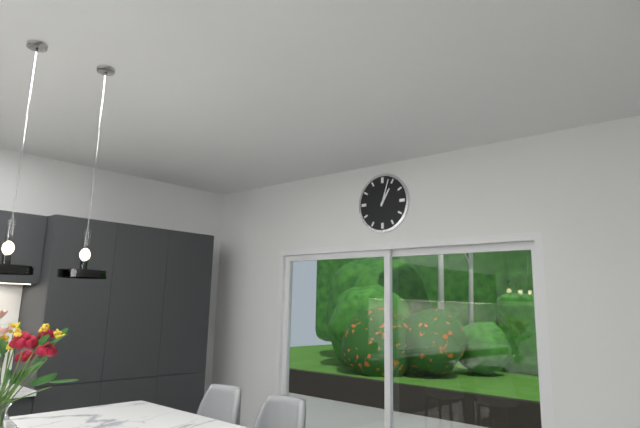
{"hour": 1, "minute": 3}
